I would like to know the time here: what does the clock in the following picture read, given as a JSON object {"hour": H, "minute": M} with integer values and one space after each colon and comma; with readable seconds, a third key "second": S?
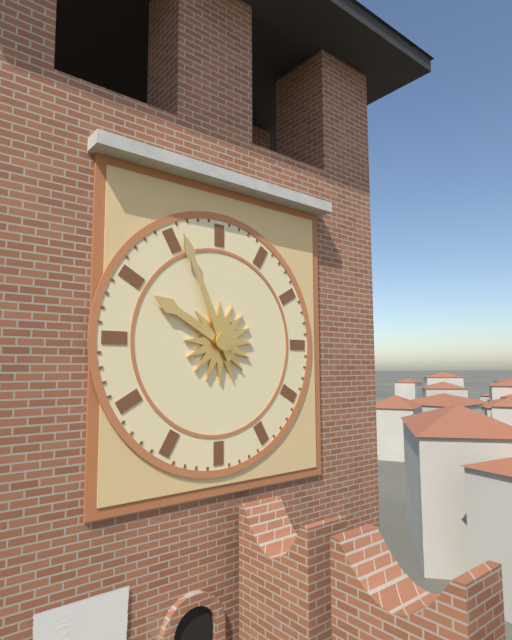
{"hour": 9, "minute": 56}
